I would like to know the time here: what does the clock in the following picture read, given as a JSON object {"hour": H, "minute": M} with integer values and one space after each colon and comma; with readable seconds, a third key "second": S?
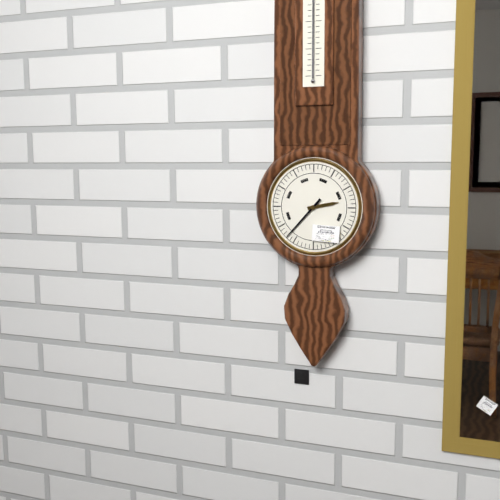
{"hour": 2, "minute": 37}
